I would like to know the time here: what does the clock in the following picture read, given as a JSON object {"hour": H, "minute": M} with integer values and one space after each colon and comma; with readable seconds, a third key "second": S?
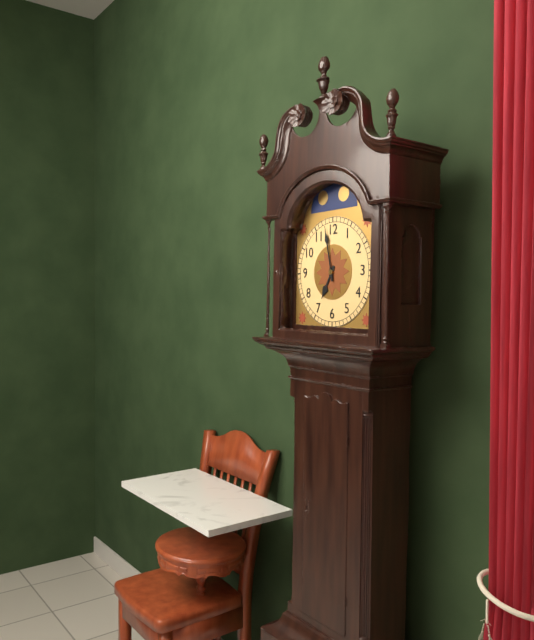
{"hour": 6, "minute": 58}
